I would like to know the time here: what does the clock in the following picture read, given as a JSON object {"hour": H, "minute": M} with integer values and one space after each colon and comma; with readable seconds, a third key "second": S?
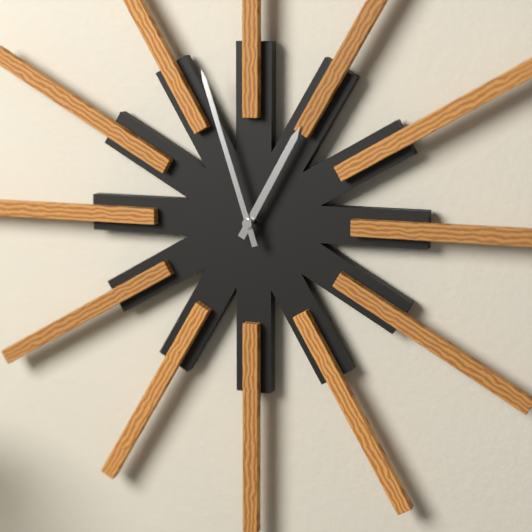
{"hour": 12, "minute": 57}
